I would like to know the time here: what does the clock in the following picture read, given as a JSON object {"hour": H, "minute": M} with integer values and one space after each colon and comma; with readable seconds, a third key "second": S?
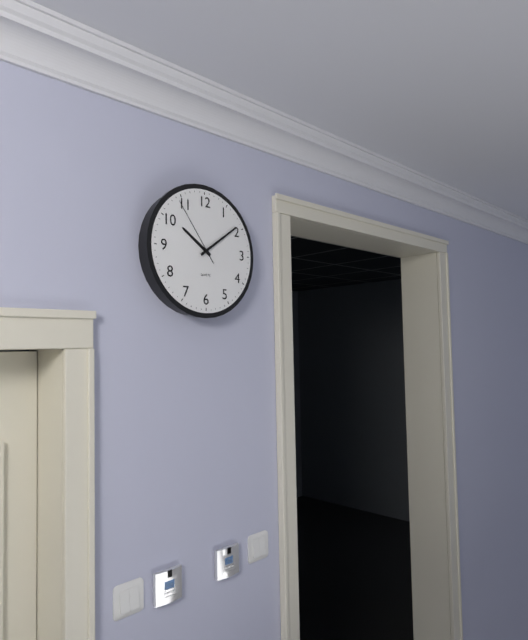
{"hour": 10, "minute": 9, "second": 54}
